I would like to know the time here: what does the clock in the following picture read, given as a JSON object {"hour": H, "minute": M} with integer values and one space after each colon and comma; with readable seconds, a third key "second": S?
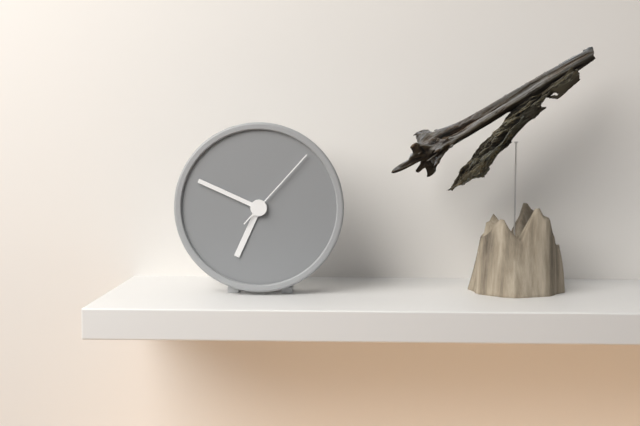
{"hour": 6, "minute": 49, "second": 7}
